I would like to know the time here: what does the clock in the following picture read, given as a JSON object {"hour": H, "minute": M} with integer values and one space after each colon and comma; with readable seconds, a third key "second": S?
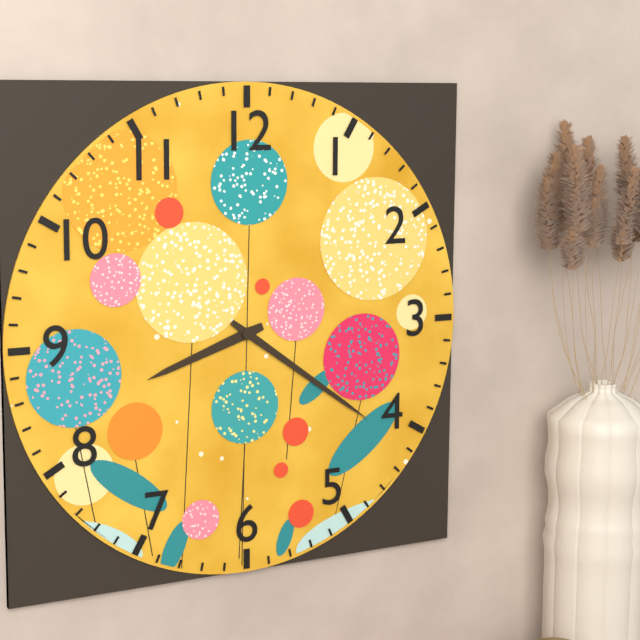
{"hour": 8, "minute": 21}
